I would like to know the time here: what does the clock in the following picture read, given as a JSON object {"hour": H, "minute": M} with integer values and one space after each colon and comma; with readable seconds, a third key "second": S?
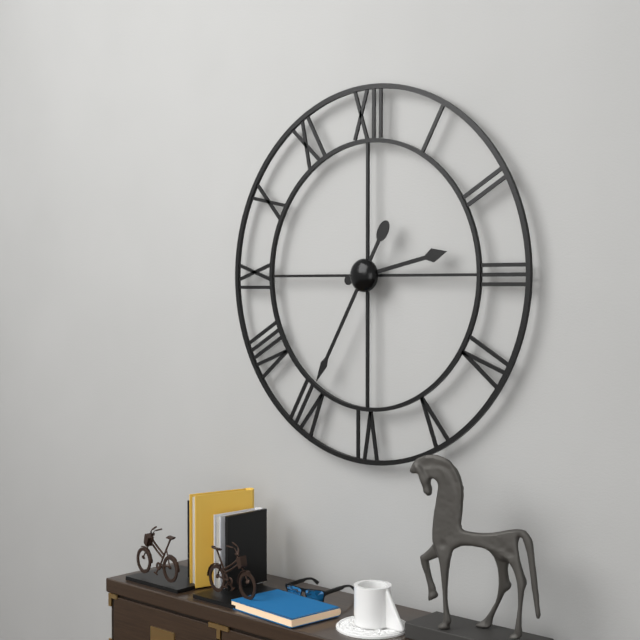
{"hour": 2, "minute": 35}
